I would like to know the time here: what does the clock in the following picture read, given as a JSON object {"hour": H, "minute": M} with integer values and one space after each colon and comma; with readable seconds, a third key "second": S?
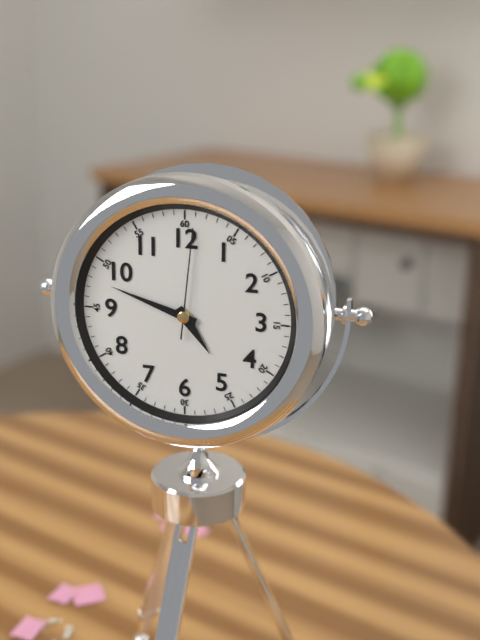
{"hour": 4, "minute": 48, "second": 1}
